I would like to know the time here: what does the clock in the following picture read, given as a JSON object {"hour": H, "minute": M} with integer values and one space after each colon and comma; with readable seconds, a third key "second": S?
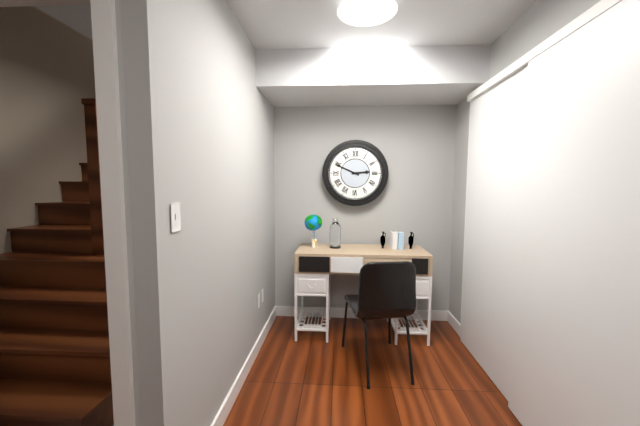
{"hour": 2, "minute": 49}
